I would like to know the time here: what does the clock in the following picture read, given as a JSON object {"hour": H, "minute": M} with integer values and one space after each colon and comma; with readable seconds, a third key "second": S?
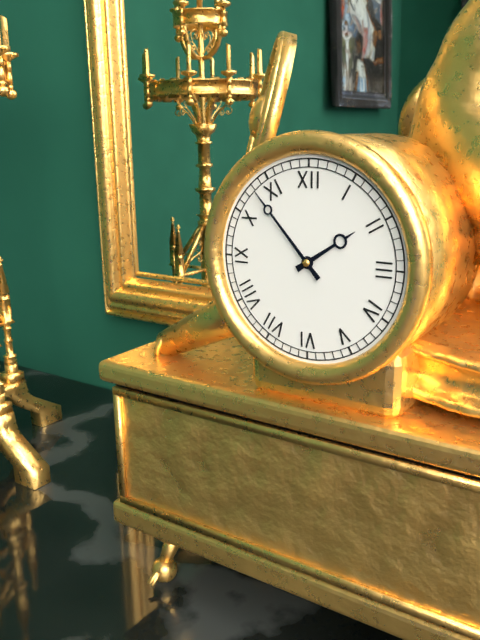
{"hour": 1, "minute": 53}
